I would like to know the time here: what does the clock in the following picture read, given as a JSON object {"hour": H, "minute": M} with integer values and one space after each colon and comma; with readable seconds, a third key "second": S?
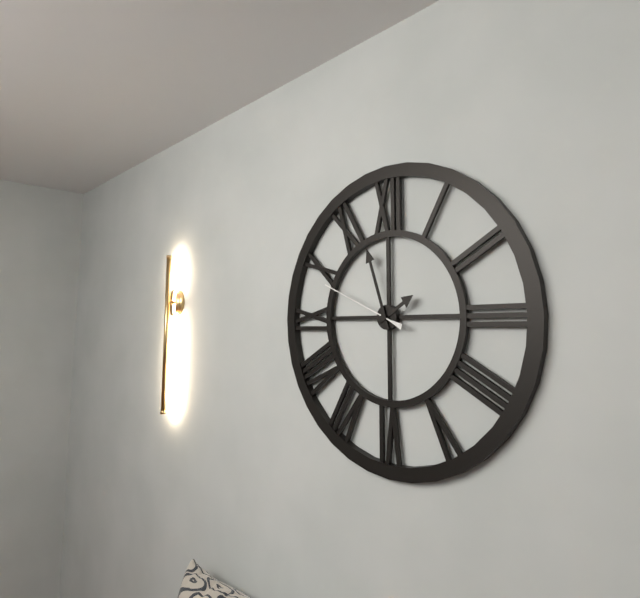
{"hour": 1, "minute": 57, "second": 49}
